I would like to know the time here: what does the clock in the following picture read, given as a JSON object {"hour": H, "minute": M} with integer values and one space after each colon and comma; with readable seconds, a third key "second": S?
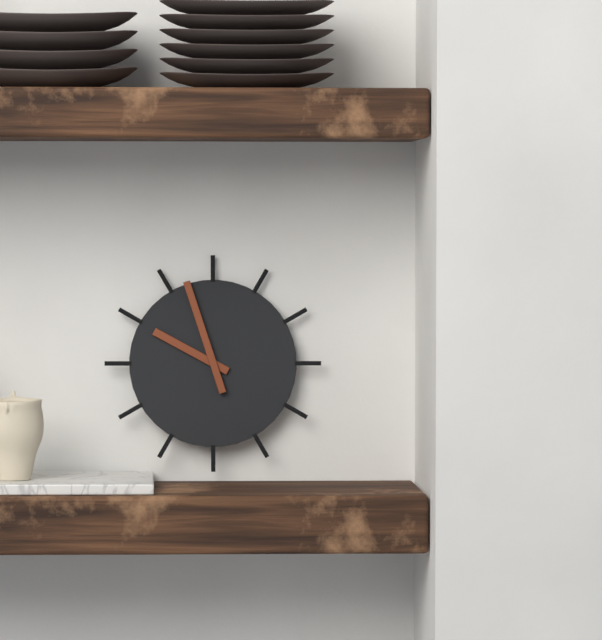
{"hour": 9, "minute": 57}
